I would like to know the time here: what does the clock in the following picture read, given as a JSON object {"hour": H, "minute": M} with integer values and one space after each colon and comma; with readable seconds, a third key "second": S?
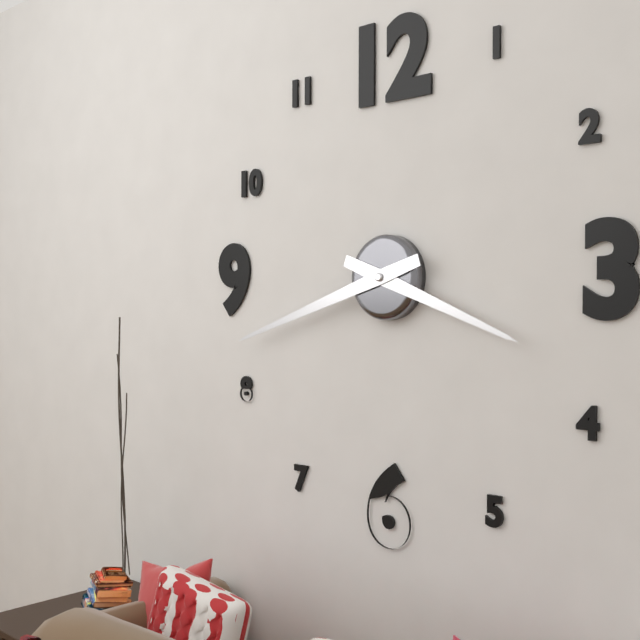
{"hour": 3, "minute": 42}
